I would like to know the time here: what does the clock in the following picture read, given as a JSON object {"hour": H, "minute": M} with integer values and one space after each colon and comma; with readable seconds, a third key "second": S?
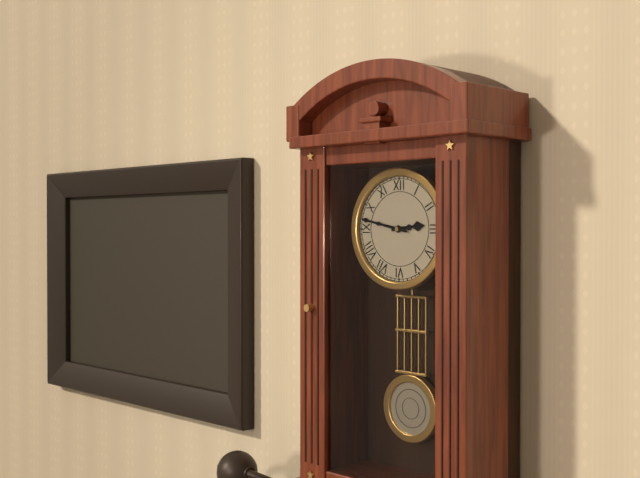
{"hour": 2, "minute": 47}
